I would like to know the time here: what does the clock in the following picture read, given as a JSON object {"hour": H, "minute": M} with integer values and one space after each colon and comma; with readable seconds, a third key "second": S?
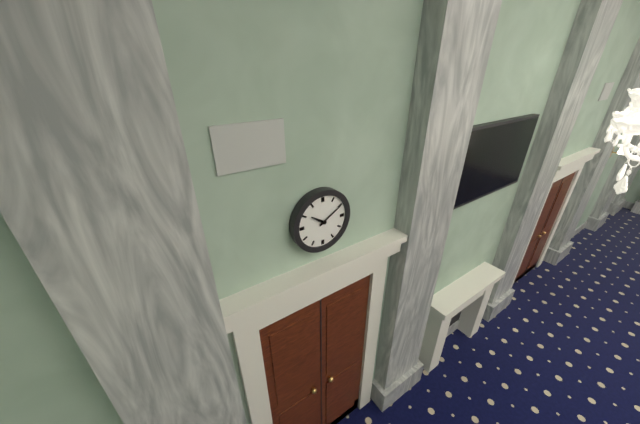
{"hour": 10, "minute": 10}
